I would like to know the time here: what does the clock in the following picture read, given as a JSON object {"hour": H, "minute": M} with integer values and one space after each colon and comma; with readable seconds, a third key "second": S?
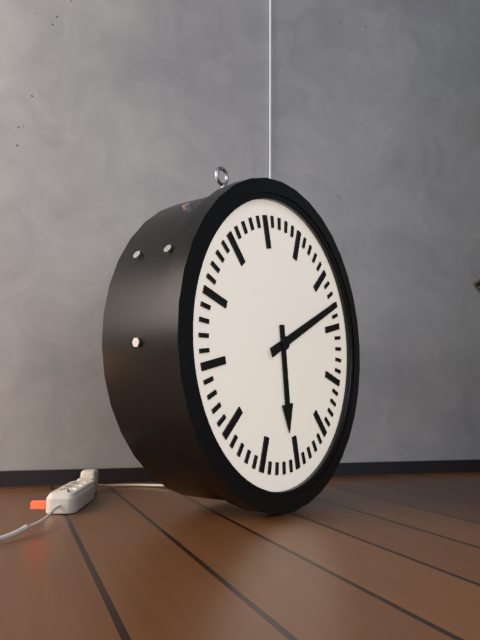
{"hour": 6, "minute": 13}
